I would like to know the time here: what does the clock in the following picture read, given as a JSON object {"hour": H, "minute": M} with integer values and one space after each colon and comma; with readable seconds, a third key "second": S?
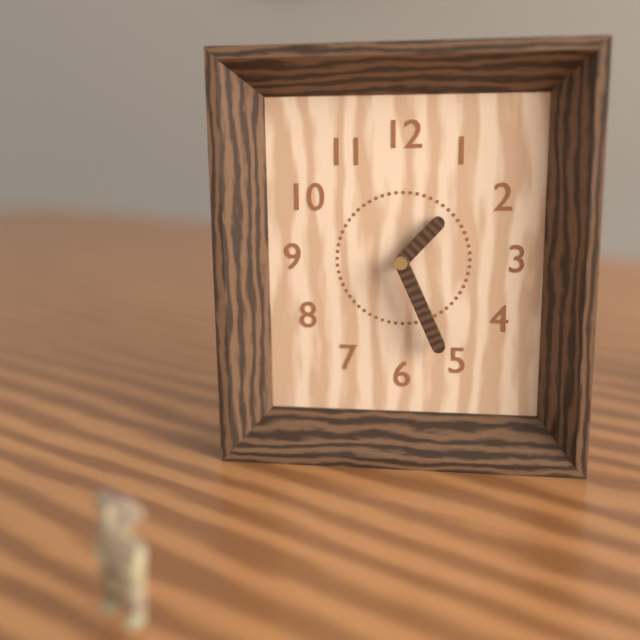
{"hour": 1, "minute": 26}
